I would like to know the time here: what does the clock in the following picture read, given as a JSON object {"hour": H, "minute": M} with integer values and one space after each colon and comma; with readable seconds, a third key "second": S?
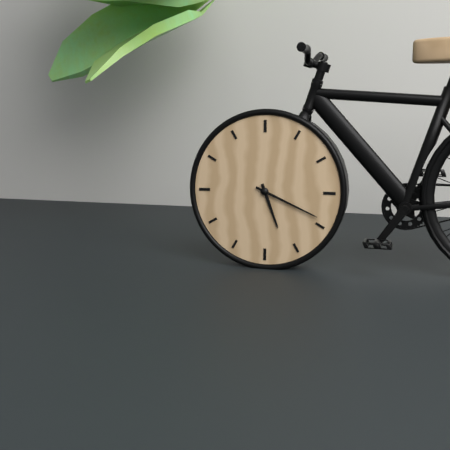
{"hour": 5, "minute": 19}
